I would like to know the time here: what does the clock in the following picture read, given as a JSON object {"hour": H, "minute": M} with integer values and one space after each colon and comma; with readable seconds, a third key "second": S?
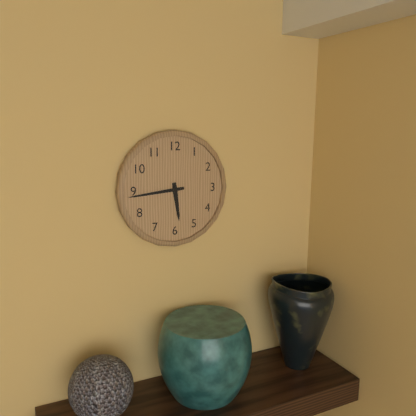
{"hour": 5, "minute": 44}
